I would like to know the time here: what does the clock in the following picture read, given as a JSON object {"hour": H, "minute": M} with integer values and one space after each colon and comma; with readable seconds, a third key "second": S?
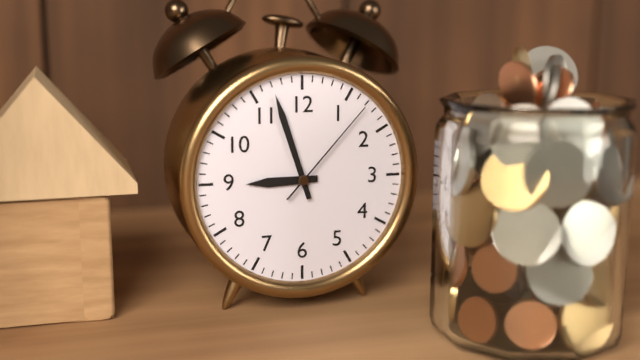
{"hour": 8, "minute": 57, "second": 7}
